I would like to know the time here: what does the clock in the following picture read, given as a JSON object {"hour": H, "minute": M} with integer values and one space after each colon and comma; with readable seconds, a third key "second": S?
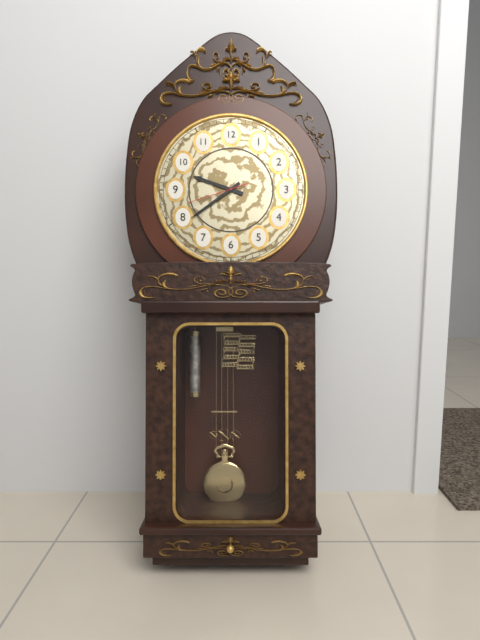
{"hour": 9, "minute": 39, "second": 42}
